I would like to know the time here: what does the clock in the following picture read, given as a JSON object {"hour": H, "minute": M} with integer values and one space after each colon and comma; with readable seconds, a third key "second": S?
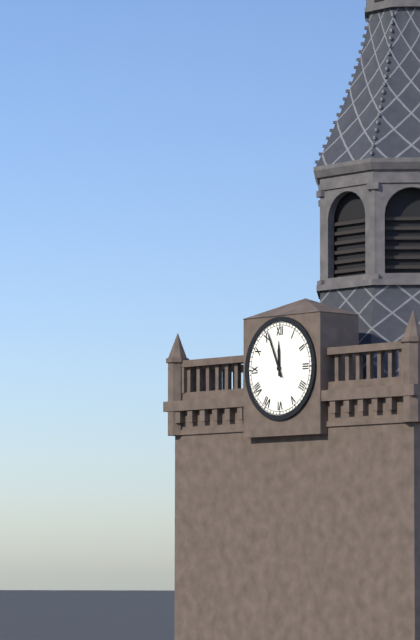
{"hour": 11, "minute": 56}
